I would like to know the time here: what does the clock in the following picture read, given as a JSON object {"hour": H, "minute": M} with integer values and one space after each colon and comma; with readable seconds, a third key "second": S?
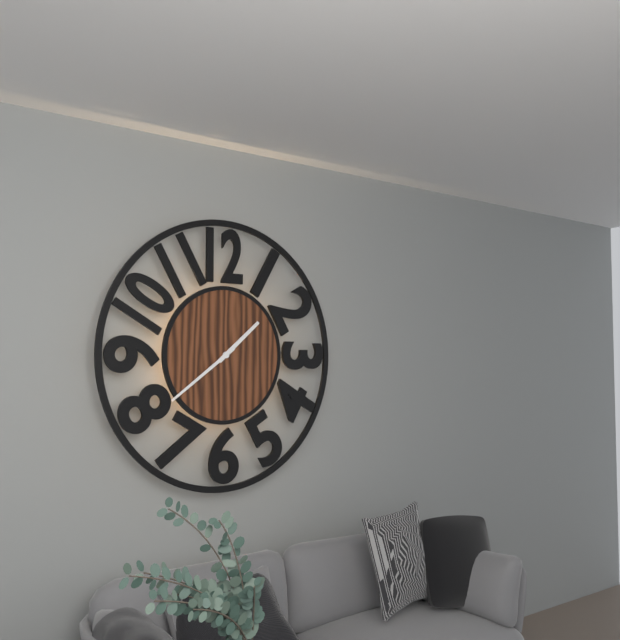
{"hour": 1, "minute": 39}
